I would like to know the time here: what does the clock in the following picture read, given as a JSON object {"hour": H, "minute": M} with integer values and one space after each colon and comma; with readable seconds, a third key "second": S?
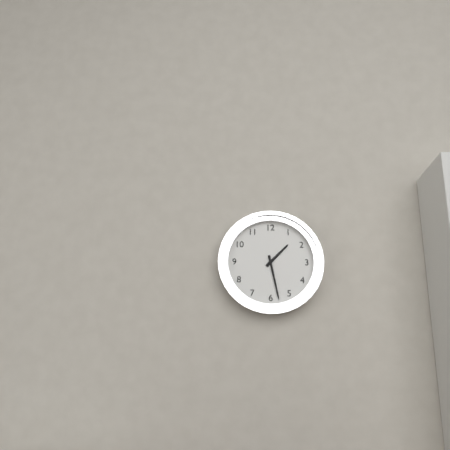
{"hour": 1, "minute": 28}
